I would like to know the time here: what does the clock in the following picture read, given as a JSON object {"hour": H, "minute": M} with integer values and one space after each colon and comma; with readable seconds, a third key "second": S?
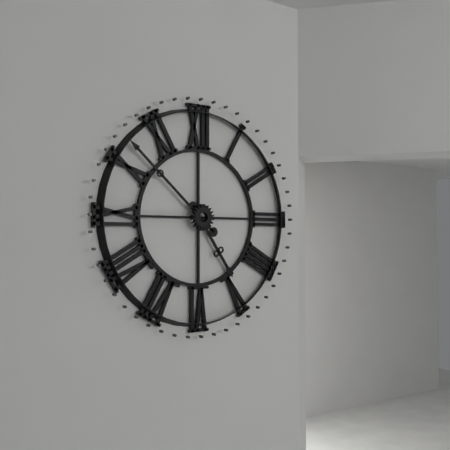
{"hour": 4, "minute": 52}
